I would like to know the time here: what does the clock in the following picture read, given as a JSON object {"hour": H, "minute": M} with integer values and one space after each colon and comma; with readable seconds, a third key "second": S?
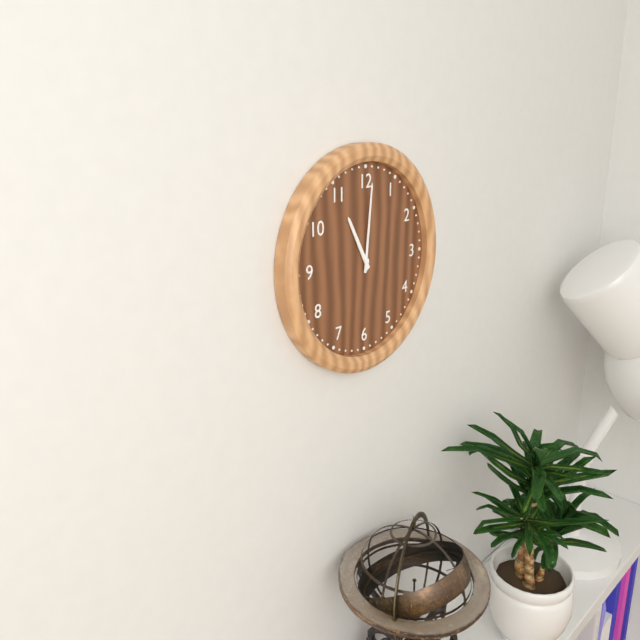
{"hour": 11, "minute": 1}
